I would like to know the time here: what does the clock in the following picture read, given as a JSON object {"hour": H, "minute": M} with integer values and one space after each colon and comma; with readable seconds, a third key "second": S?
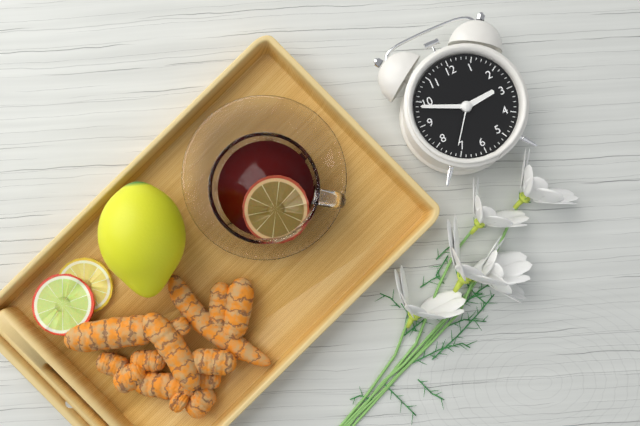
{"hour": 2, "minute": 49, "second": 36}
